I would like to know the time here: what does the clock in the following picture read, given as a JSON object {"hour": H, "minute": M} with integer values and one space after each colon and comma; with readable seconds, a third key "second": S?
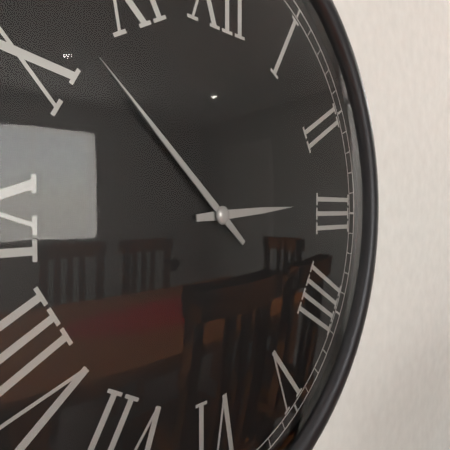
{"hour": 2, "minute": 52}
